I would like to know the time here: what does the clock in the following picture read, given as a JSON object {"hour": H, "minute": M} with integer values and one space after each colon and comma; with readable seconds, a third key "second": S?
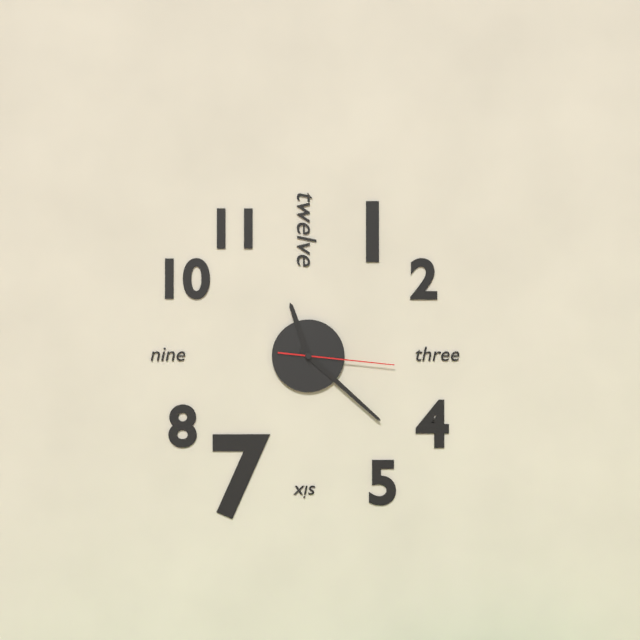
{"hour": 11, "minute": 22, "second": 16}
